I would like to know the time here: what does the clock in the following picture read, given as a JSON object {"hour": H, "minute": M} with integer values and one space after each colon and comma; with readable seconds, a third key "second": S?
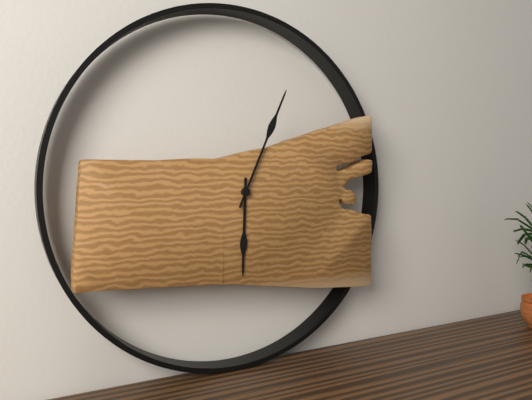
{"hour": 6, "minute": 4}
